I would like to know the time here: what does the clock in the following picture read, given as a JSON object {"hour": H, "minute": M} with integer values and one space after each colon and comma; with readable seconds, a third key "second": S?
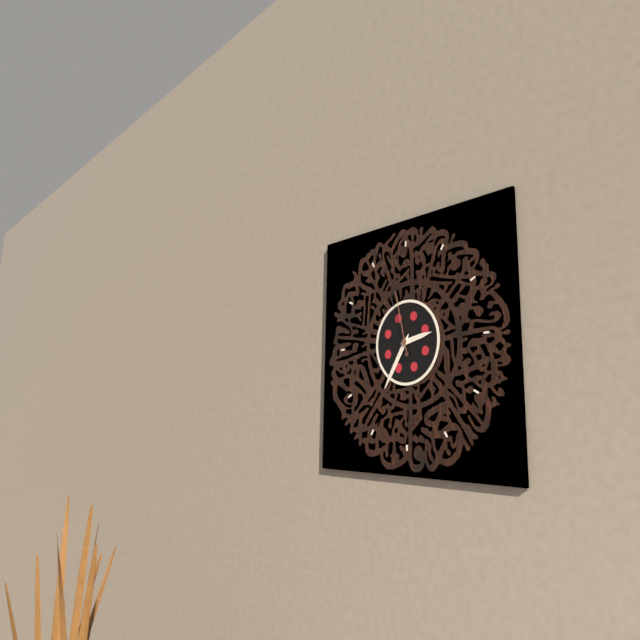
{"hour": 2, "minute": 35, "second": 58}
